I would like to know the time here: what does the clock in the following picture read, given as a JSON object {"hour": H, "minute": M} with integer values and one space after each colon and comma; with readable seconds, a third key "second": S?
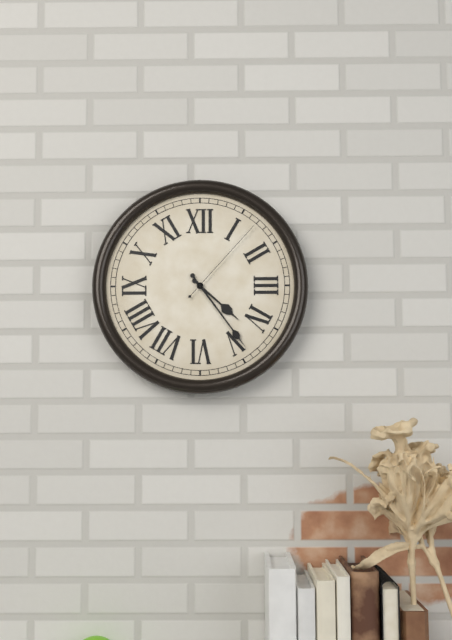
{"hour": 4, "minute": 24, "second": 7}
